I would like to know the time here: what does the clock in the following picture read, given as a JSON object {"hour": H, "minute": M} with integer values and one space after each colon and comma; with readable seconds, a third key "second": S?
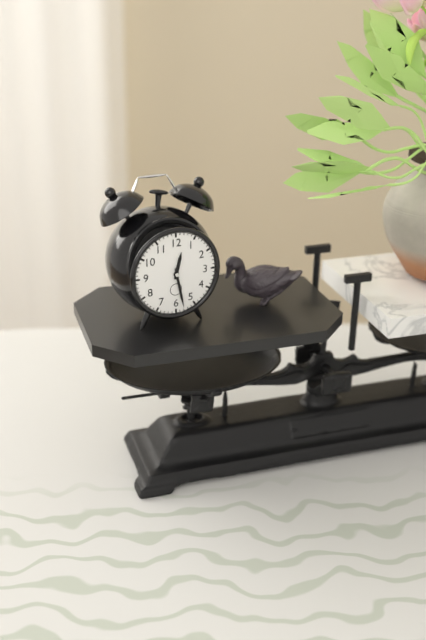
{"hour": 12, "minute": 28}
